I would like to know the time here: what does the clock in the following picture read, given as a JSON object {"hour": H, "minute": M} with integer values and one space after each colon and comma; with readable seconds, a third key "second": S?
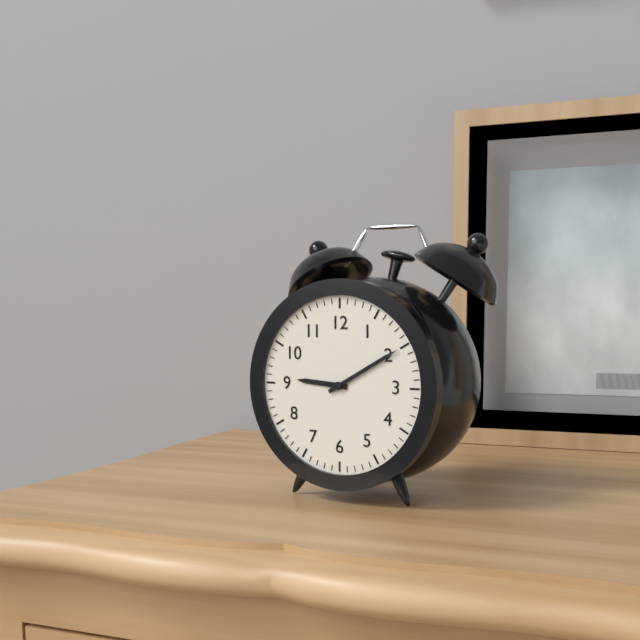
{"hour": 9, "minute": 10}
